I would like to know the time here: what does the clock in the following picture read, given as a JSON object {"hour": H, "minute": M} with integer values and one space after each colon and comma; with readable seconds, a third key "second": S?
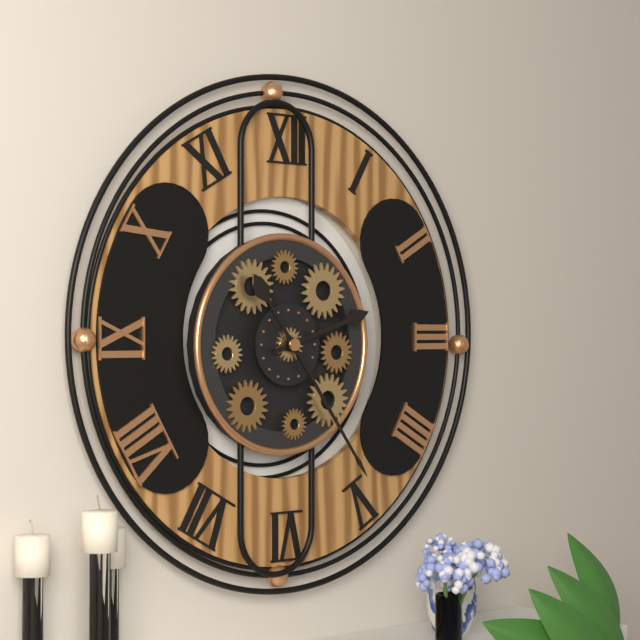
{"hour": 2, "minute": 24}
